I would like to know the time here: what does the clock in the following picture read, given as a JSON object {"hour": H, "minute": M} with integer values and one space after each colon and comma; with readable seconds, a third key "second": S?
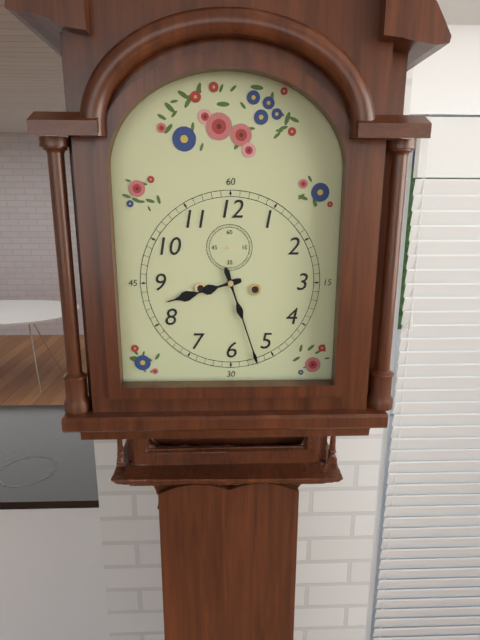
{"hour": 8, "minute": 27}
